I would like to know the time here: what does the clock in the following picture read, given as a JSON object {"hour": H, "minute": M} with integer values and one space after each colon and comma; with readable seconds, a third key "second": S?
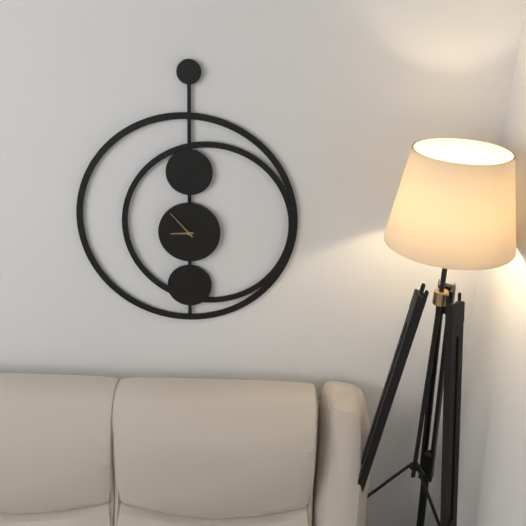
{"hour": 8, "minute": 53}
